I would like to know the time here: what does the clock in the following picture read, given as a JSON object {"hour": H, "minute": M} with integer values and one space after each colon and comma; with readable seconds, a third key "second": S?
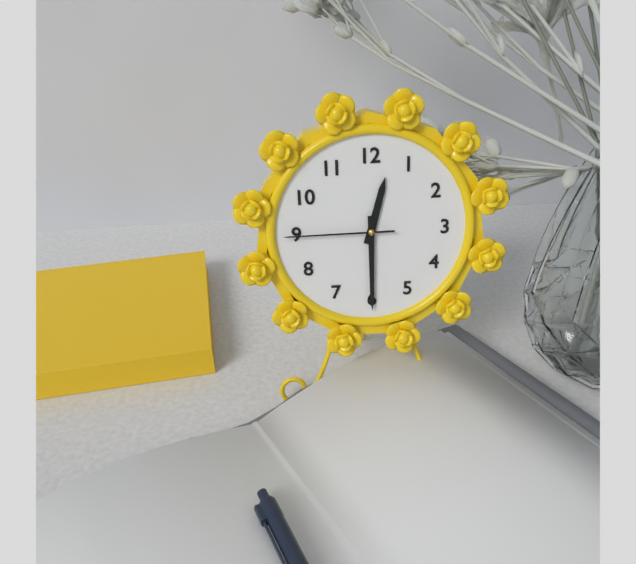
{"hour": 12, "minute": 30, "second": 45}
